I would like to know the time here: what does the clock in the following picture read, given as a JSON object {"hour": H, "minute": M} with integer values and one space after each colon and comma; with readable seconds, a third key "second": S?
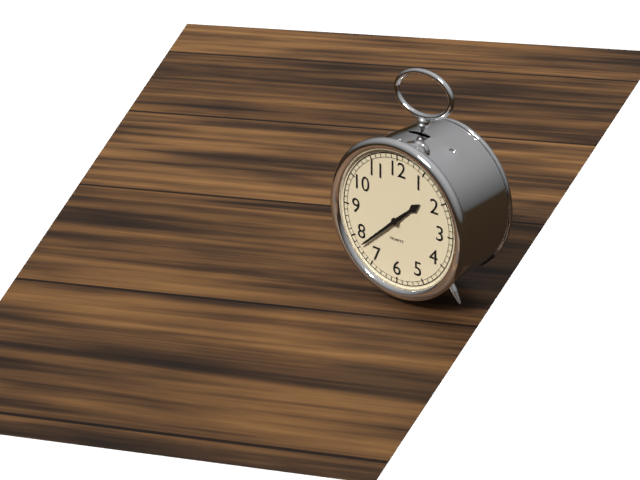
{"hour": 1, "minute": 38}
